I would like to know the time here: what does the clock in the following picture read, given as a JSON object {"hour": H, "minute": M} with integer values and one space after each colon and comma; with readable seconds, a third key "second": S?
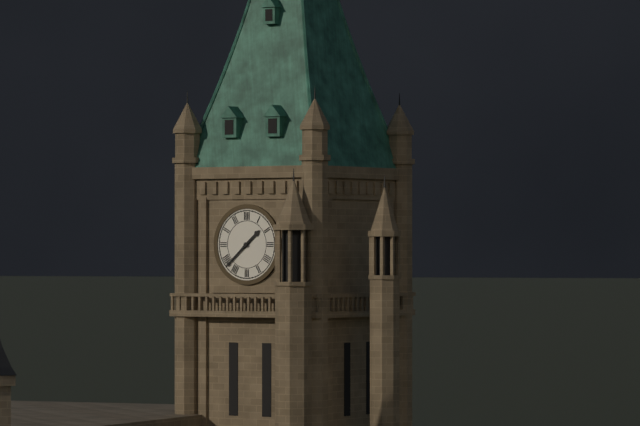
{"hour": 1, "minute": 38}
